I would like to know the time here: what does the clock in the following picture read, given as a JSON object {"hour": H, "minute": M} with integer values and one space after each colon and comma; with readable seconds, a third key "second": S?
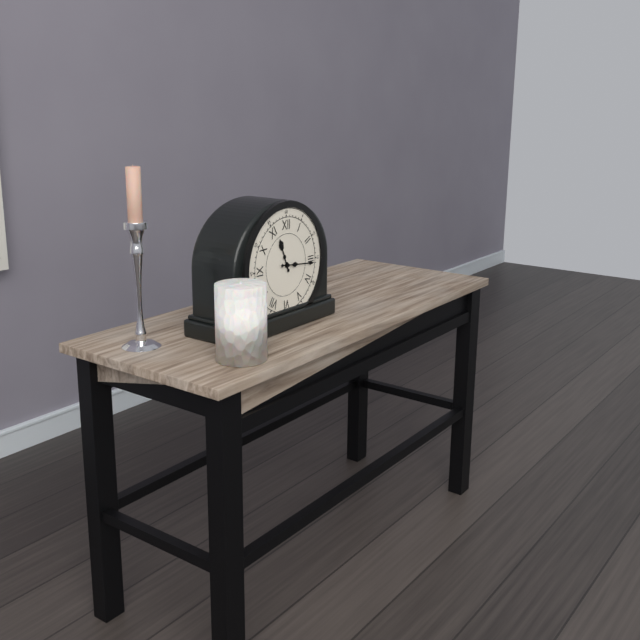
{"hour": 11, "minute": 16}
